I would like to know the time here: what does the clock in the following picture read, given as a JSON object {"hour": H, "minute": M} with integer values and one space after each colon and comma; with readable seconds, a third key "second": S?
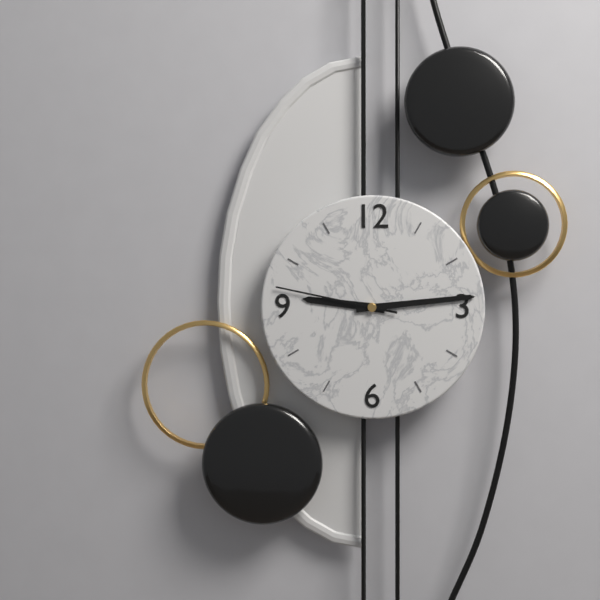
{"hour": 9, "minute": 14, "second": 47}
